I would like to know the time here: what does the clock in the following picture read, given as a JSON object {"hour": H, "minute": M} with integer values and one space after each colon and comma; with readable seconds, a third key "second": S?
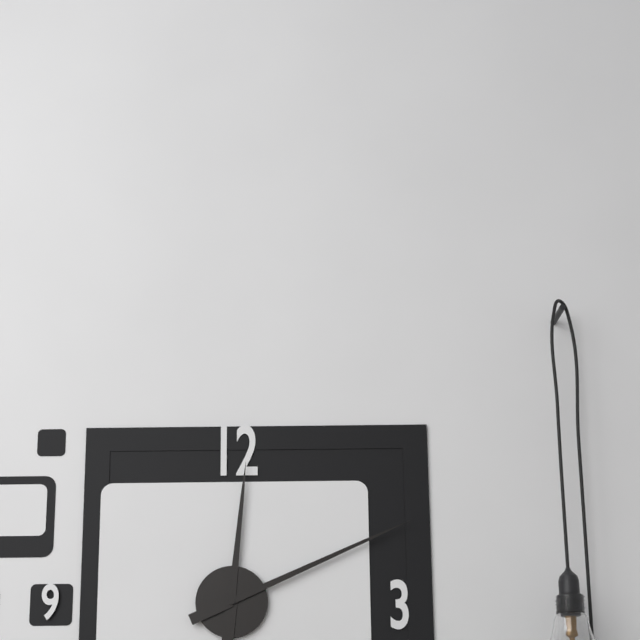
{"hour": 12, "minute": 11}
